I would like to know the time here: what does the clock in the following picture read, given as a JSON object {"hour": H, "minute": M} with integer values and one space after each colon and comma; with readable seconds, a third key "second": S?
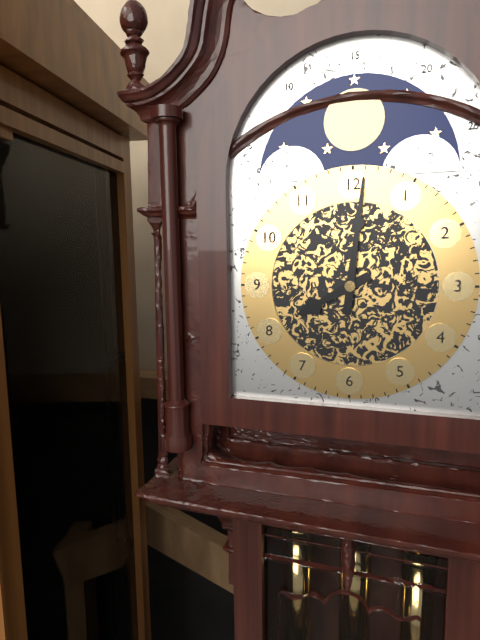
{"hour": 8, "minute": 1}
